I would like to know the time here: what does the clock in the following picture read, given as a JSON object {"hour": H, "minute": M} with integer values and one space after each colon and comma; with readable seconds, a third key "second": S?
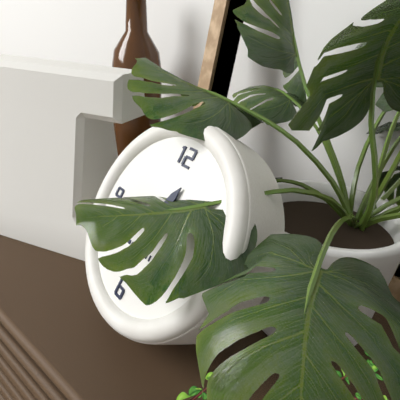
{"hour": 12, "minute": 41}
